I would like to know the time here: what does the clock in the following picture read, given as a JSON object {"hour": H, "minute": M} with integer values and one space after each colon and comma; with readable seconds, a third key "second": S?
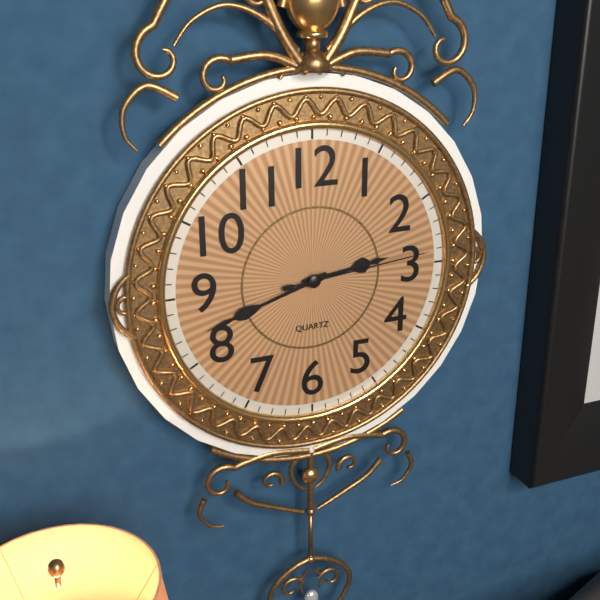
{"hour": 2, "minute": 42, "second": 14}
